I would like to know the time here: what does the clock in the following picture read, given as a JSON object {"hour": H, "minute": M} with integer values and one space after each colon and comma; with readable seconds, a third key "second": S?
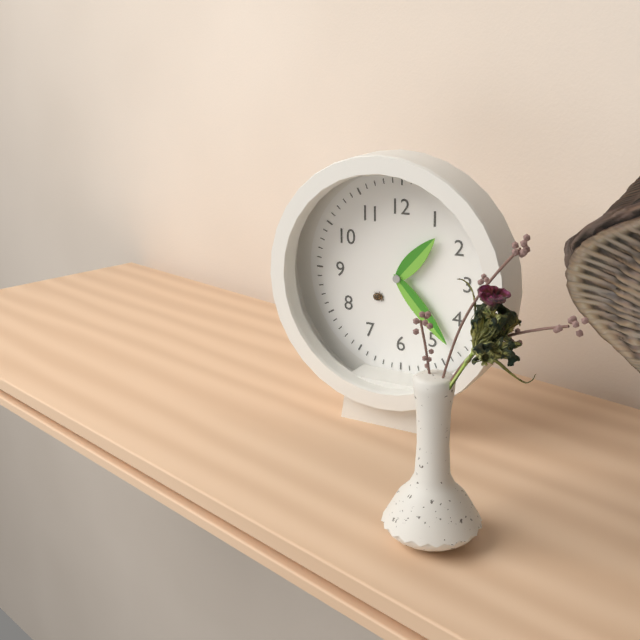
{"hour": 1, "minute": 23}
